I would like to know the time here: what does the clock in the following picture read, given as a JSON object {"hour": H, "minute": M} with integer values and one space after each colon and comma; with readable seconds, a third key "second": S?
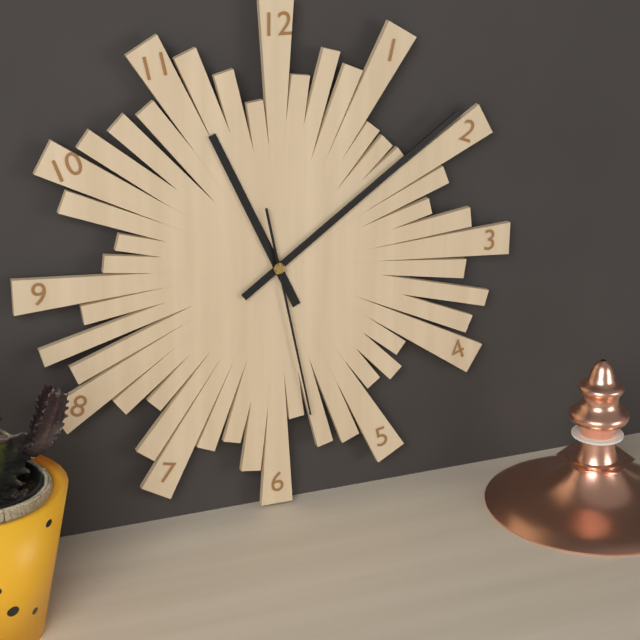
{"hour": 11, "minute": 9, "second": 28}
